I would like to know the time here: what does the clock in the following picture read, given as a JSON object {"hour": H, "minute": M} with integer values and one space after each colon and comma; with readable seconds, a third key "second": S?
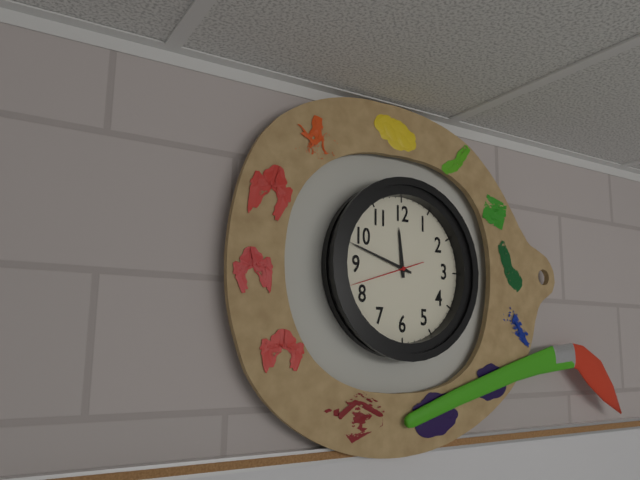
{"hour": 11, "minute": 48, "second": 42}
